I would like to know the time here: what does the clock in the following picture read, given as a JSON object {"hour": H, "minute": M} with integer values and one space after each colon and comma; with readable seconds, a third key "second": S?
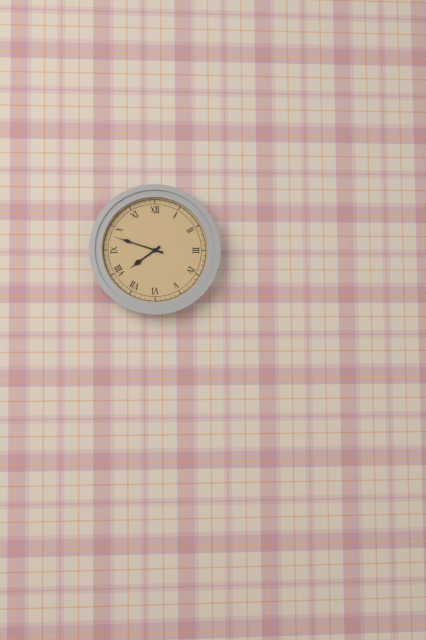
{"hour": 7, "minute": 48}
